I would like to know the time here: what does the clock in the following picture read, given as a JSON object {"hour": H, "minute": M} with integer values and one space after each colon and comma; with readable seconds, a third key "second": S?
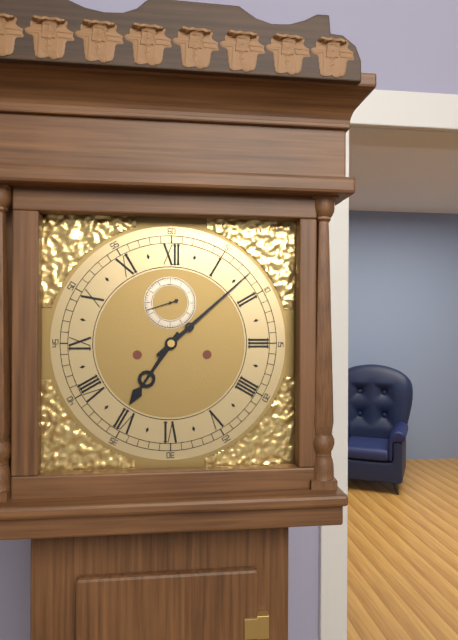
{"hour": 7, "minute": 8}
